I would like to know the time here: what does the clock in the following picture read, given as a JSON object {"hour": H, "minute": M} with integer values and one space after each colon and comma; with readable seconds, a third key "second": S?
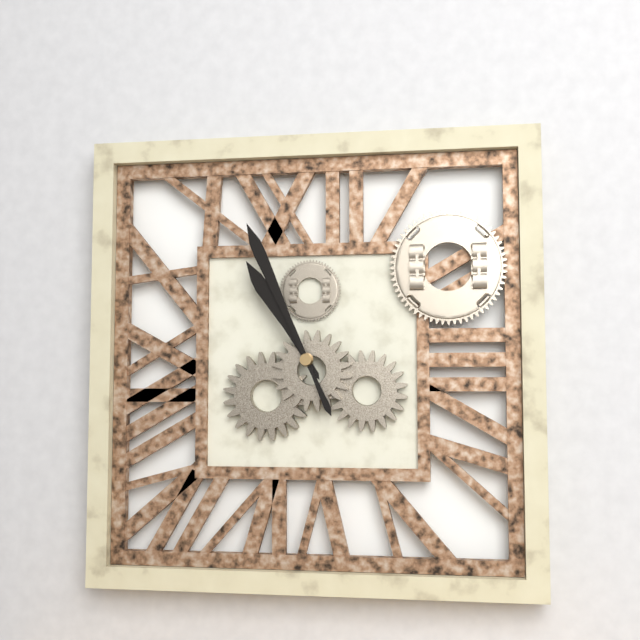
{"hour": 10, "minute": 56}
